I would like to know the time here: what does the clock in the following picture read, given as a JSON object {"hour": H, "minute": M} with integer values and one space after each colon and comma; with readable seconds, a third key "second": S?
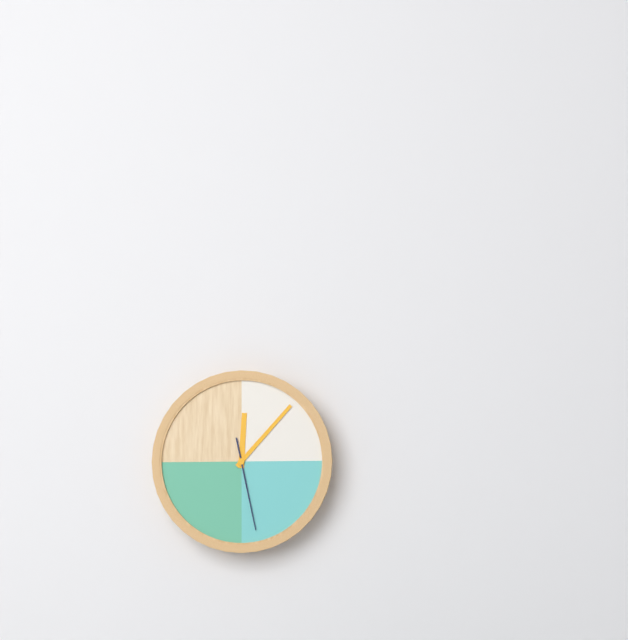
{"hour": 12, "minute": 7, "second": 28}
